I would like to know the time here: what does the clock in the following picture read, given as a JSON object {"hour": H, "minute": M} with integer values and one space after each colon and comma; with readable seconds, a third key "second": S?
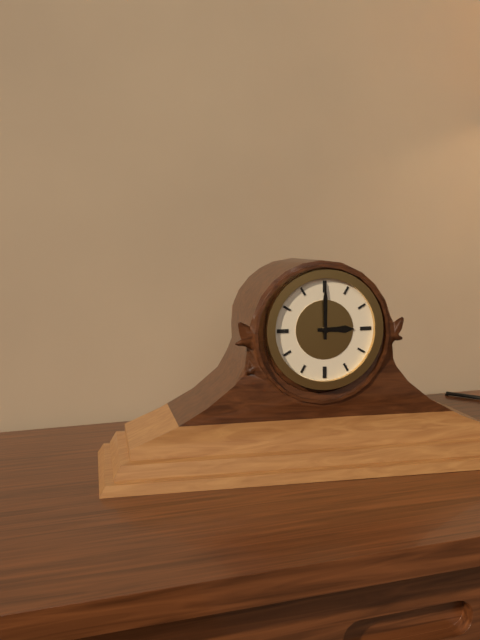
{"hour": 3, "minute": 0}
